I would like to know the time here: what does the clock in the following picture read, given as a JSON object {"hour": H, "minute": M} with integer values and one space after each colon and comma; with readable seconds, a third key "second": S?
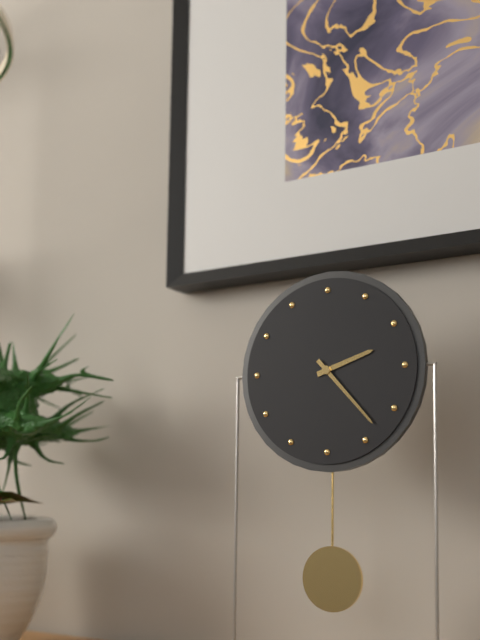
{"hour": 2, "minute": 23}
